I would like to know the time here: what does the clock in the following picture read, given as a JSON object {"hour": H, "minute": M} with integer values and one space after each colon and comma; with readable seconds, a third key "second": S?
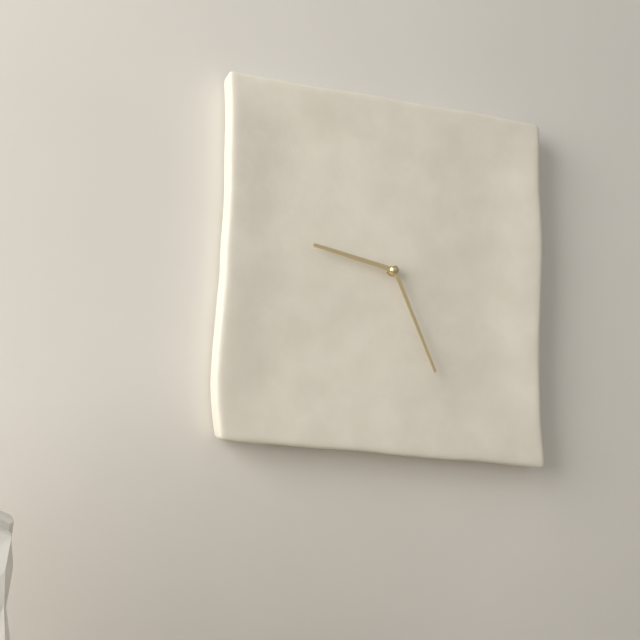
{"hour": 9, "minute": 26}
